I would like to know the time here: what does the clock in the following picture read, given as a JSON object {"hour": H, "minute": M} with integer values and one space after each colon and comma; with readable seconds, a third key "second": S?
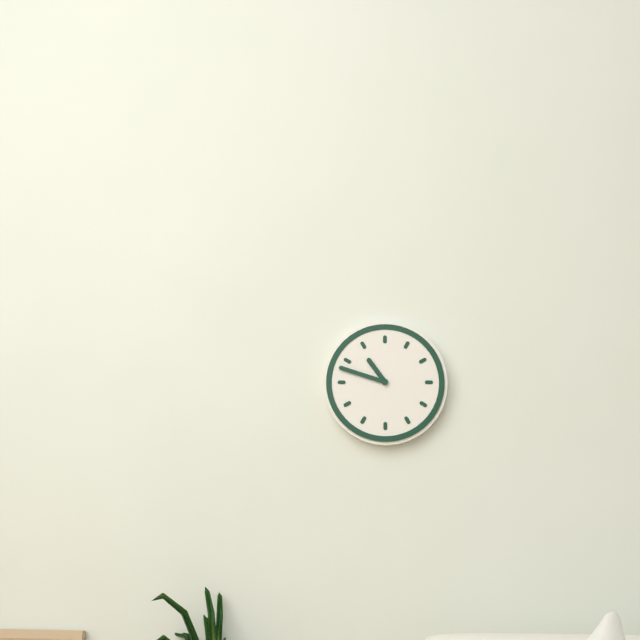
{"hour": 10, "minute": 48}
